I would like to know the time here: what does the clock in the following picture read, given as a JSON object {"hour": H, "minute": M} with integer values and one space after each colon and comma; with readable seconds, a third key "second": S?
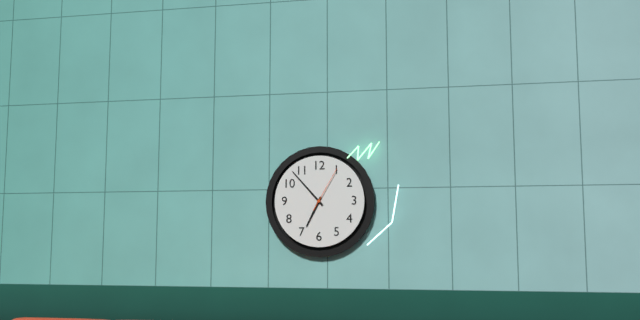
{"hour": 6, "minute": 53}
